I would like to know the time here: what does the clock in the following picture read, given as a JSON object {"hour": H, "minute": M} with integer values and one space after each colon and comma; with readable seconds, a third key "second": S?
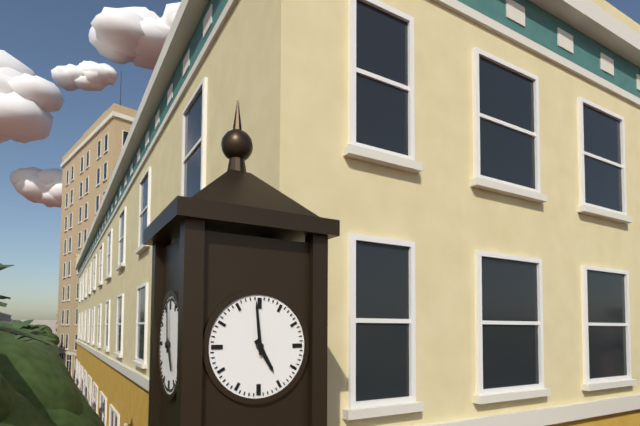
{"hour": 4, "minute": 59}
